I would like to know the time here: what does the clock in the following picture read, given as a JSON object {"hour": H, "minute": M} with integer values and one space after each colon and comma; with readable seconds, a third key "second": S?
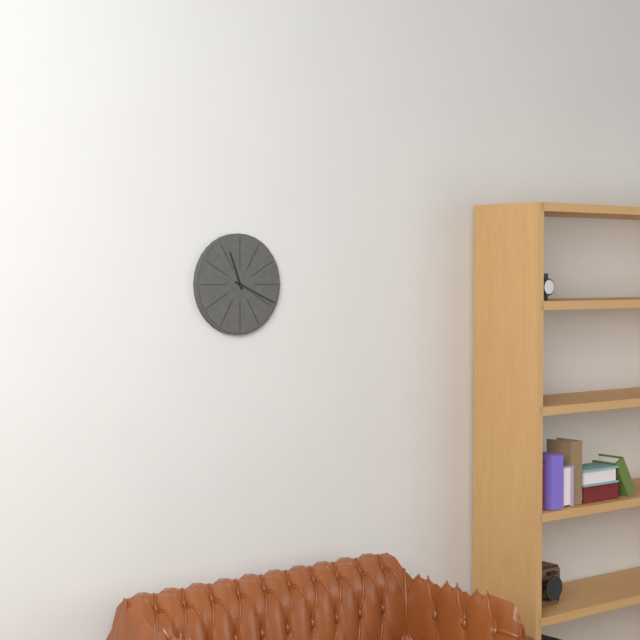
{"hour": 11, "minute": 19}
